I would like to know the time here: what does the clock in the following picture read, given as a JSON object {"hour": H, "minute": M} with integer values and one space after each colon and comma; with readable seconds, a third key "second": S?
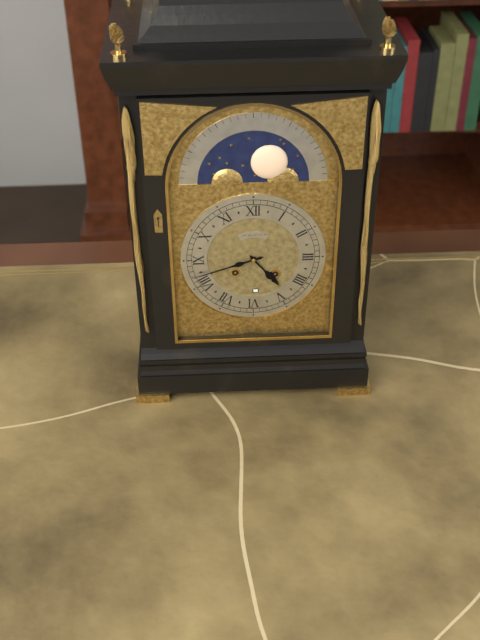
{"hour": 4, "minute": 42}
